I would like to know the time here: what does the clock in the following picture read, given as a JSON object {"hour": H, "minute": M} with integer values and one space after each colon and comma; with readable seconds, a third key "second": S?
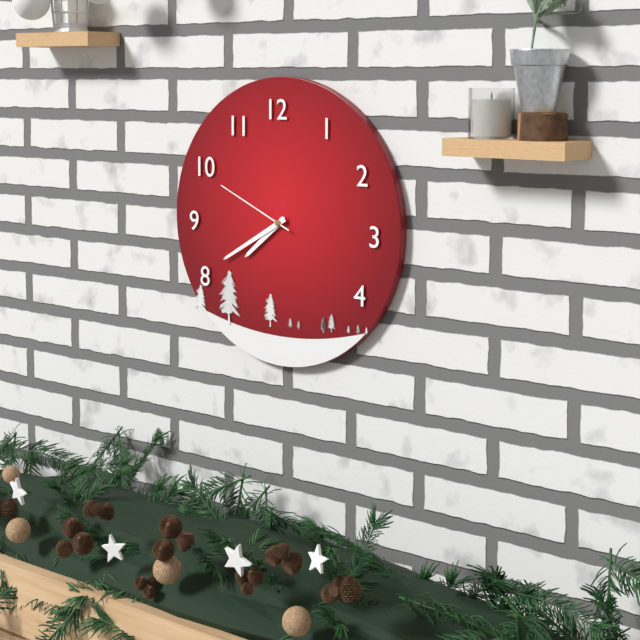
{"hour": 7, "minute": 40, "second": 49}
